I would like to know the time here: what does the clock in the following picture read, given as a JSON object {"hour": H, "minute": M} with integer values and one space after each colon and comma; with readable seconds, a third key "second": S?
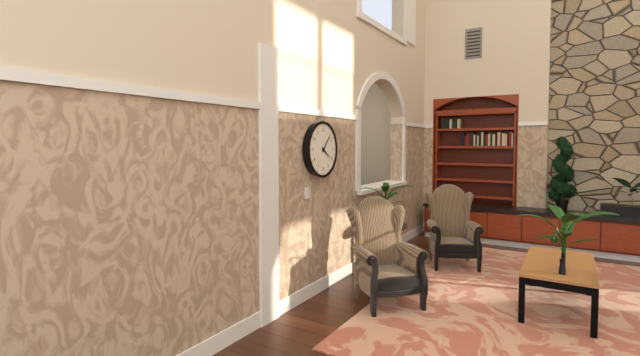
{"hour": 4, "minute": 7}
